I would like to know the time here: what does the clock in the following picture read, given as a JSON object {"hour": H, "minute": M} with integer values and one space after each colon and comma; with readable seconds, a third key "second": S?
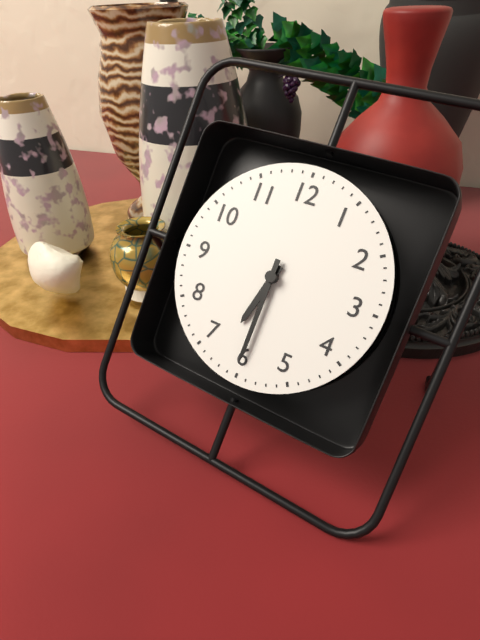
{"hour": 6, "minute": 30}
